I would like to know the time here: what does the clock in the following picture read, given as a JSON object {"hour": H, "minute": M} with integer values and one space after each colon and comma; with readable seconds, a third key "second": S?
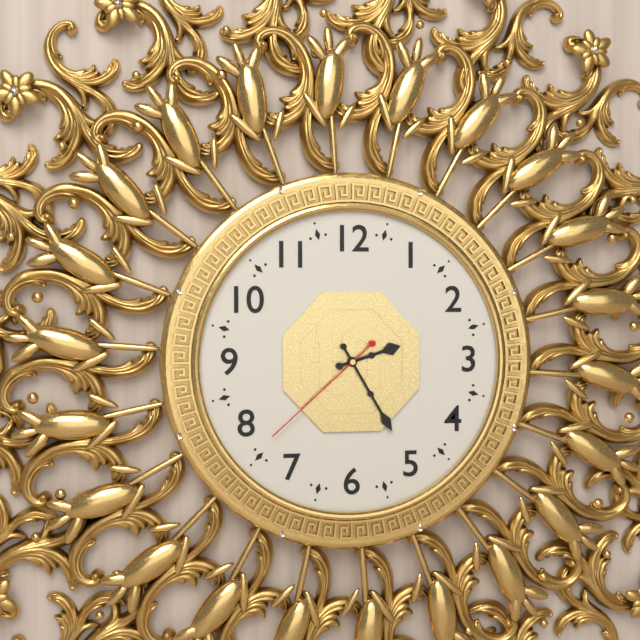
{"hour": 2, "minute": 25, "second": 38}
